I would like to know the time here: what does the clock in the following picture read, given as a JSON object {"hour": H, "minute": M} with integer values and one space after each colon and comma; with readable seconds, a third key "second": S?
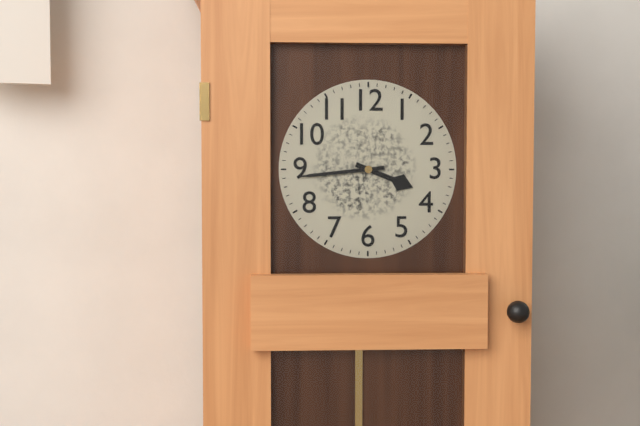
{"hour": 3, "minute": 44}
